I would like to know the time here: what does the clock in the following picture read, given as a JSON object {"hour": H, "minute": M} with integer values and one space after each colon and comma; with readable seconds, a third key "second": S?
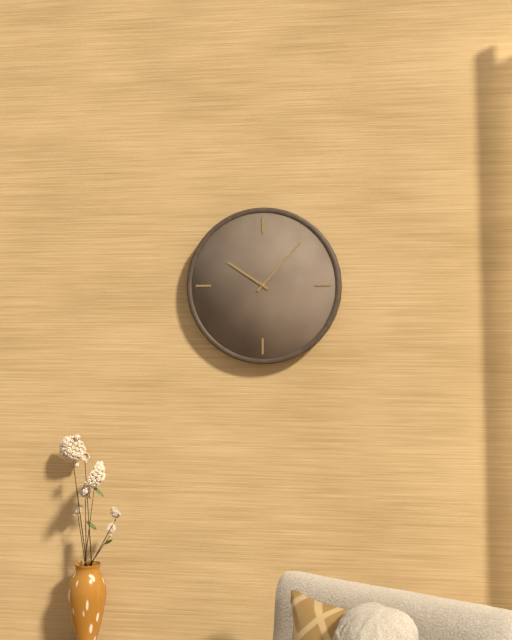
{"hour": 10, "minute": 7}
